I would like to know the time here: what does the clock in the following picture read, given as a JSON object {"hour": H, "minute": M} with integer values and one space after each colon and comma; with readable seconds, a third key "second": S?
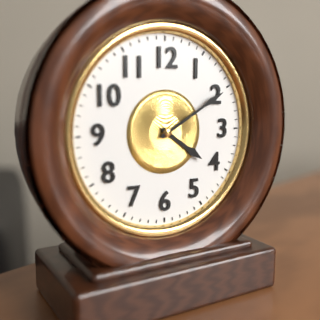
{"hour": 4, "minute": 10}
